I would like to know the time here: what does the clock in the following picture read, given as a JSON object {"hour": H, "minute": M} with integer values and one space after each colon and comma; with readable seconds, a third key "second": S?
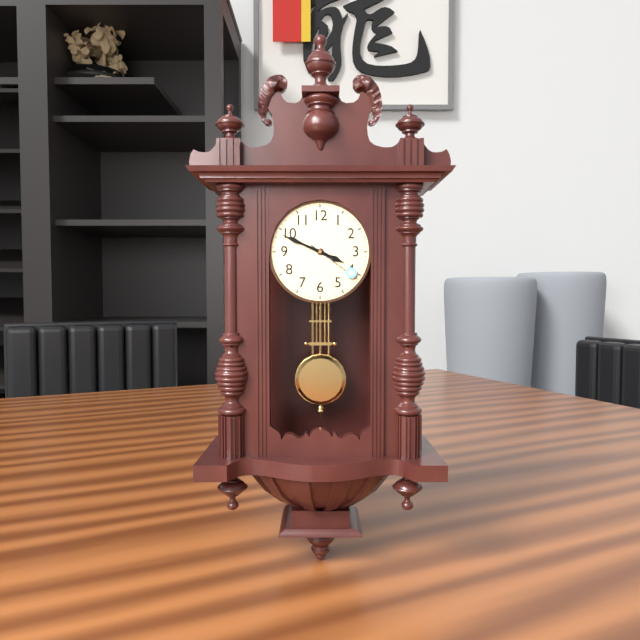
{"hour": 3, "minute": 49, "second": 21}
